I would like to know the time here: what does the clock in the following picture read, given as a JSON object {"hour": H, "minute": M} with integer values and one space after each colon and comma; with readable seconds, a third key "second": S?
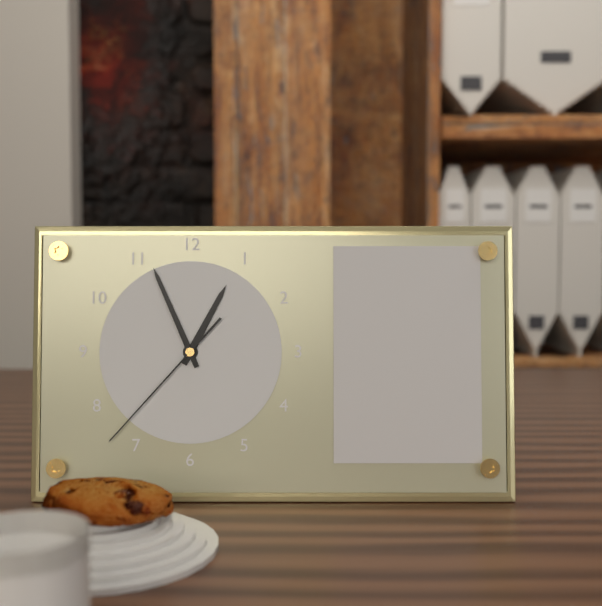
{"hour": 12, "minute": 56, "second": 37}
